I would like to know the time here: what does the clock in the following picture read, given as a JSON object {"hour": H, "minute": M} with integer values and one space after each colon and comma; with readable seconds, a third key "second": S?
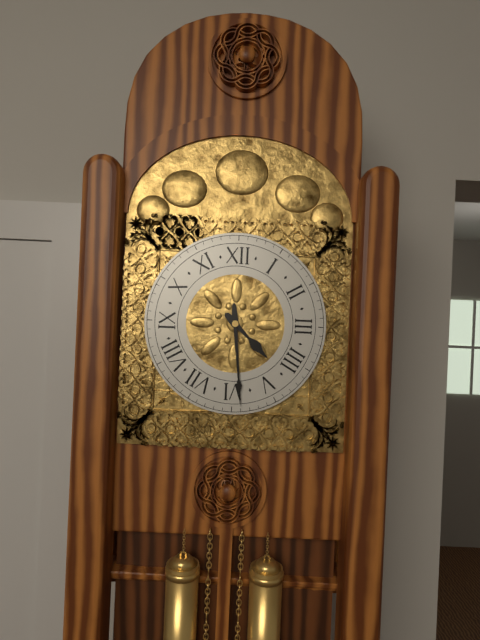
{"hour": 4, "minute": 29}
